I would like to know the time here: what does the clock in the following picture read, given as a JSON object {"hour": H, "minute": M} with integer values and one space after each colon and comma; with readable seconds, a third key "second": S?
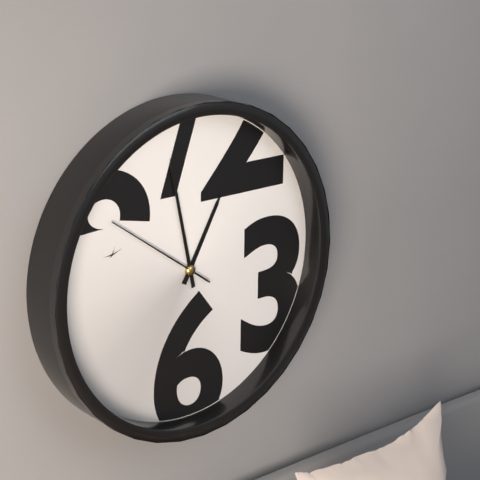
{"hour": 12, "minute": 58, "second": 51}
